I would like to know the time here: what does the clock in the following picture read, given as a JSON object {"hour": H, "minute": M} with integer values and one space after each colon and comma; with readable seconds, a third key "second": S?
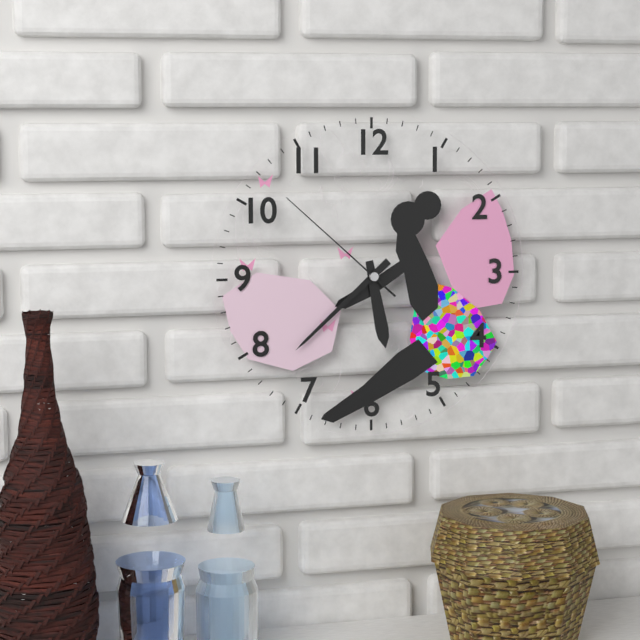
{"hour": 5, "minute": 38, "second": 52}
